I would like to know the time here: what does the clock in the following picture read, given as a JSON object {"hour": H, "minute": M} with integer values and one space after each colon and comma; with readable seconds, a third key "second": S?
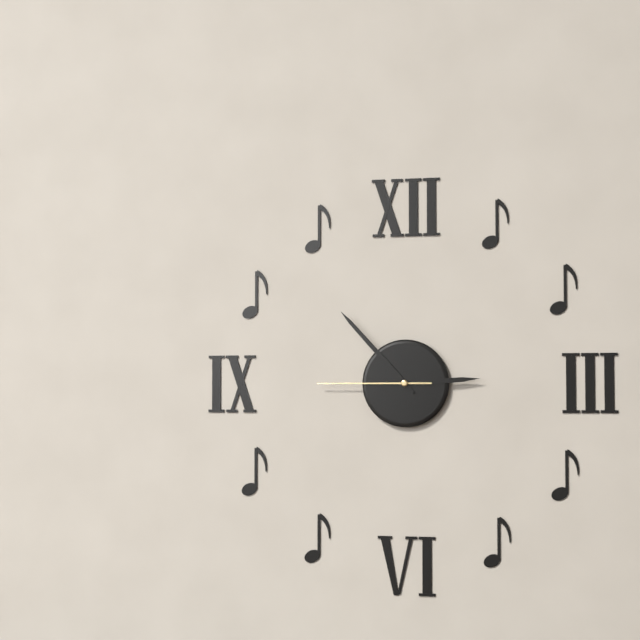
{"hour": 2, "minute": 53, "second": 45}
